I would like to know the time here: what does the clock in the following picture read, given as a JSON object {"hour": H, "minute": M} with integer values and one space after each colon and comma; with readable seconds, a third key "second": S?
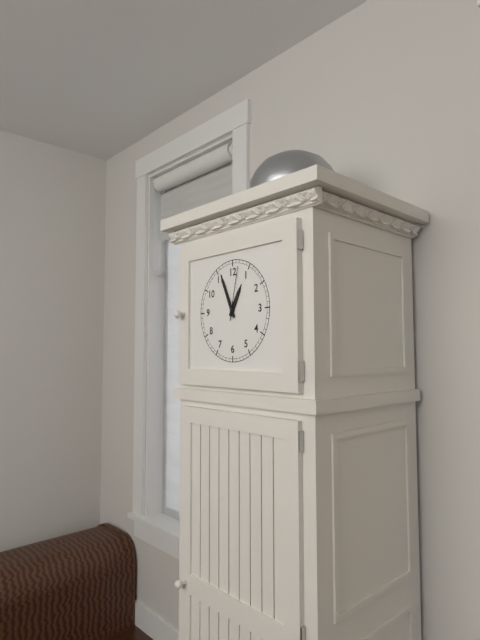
{"hour": 12, "minute": 56, "second": 2}
